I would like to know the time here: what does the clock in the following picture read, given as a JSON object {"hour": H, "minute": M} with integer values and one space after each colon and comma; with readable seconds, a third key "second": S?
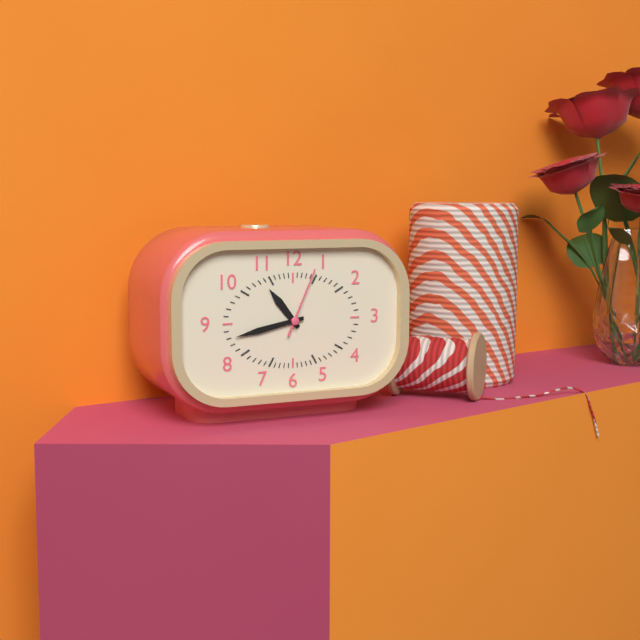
{"hour": 10, "minute": 43, "second": 4}
